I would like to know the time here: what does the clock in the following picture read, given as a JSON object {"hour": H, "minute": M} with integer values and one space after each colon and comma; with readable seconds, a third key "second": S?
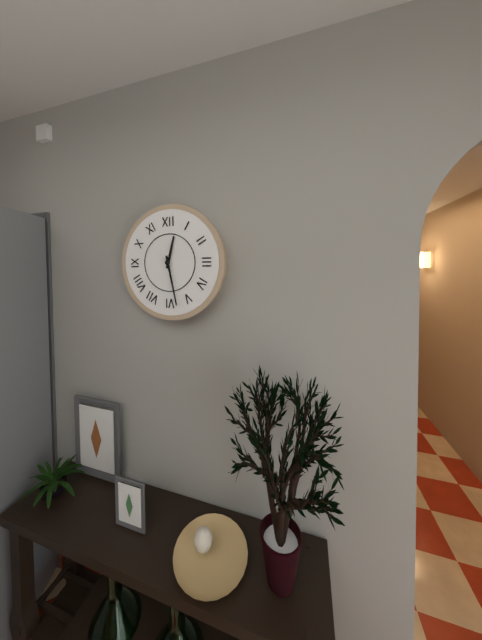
{"hour": 12, "minute": 28}
